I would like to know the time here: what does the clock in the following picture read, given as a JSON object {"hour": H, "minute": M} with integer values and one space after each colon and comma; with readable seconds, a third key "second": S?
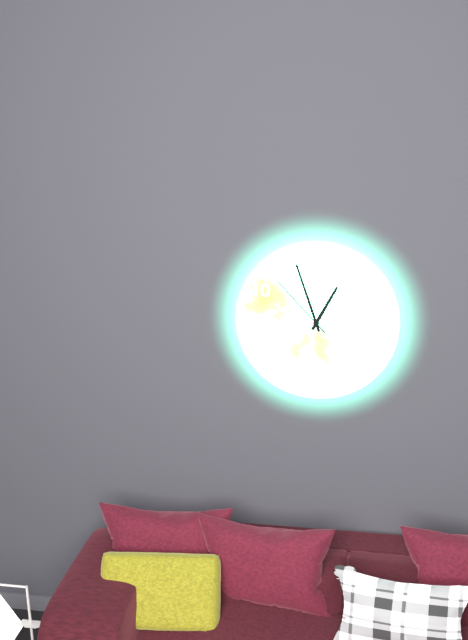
{"hour": 12, "minute": 57, "second": 53}
